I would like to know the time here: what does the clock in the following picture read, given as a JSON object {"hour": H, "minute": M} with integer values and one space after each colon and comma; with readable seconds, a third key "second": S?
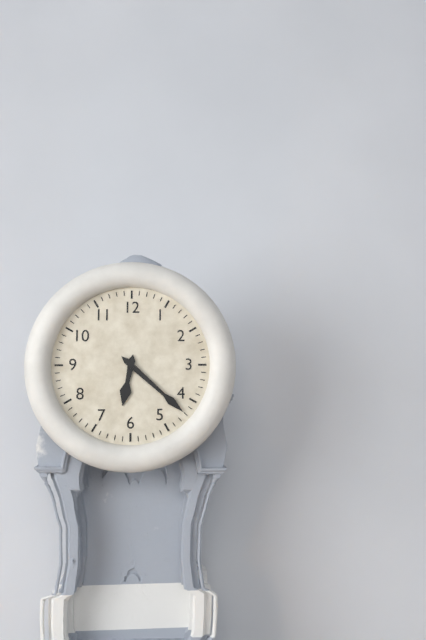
{"hour": 6, "minute": 22}
